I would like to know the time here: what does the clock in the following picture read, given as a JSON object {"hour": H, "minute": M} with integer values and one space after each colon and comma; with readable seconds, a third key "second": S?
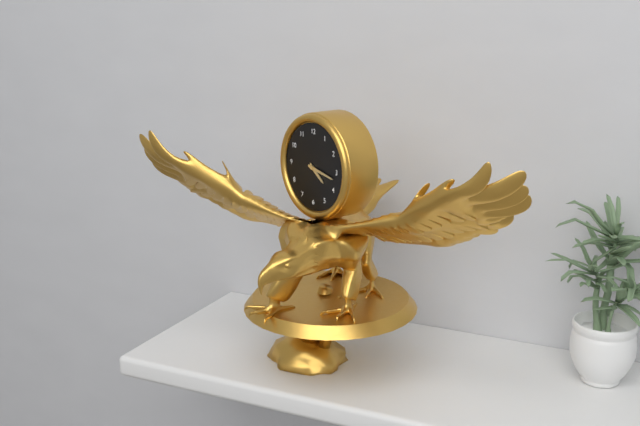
{"hour": 4, "minute": 17}
